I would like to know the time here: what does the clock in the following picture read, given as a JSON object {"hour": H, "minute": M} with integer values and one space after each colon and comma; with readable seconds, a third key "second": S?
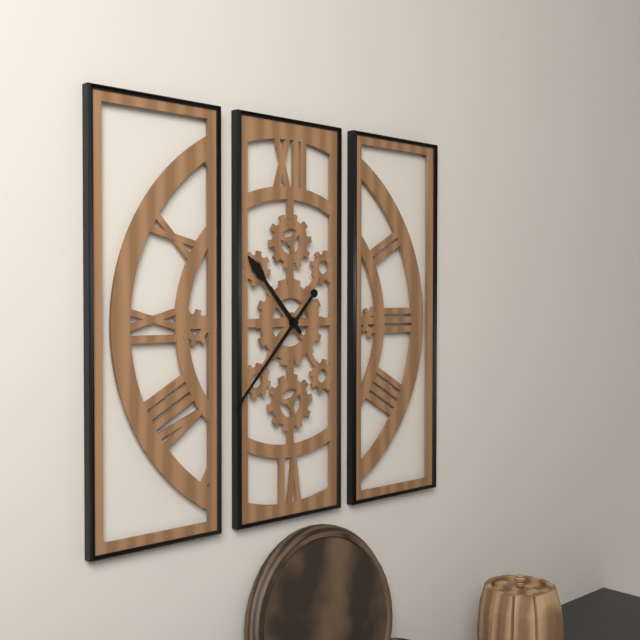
{"hour": 10, "minute": 37}
